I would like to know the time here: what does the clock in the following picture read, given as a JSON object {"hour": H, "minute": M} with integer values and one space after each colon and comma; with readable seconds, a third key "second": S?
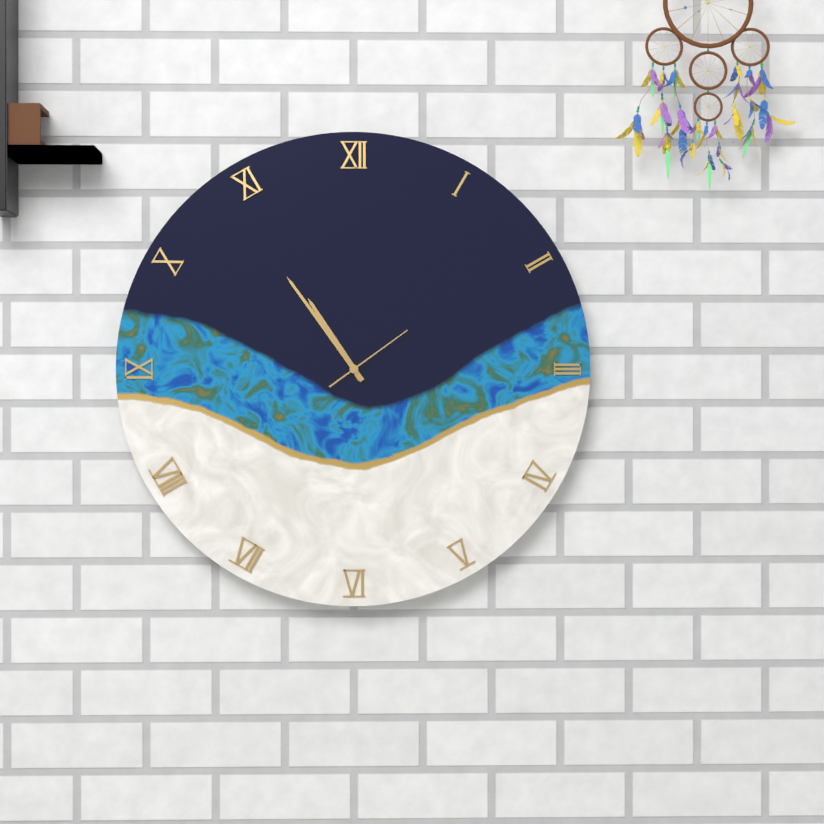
{"hour": 10, "minute": 54, "second": 9}
